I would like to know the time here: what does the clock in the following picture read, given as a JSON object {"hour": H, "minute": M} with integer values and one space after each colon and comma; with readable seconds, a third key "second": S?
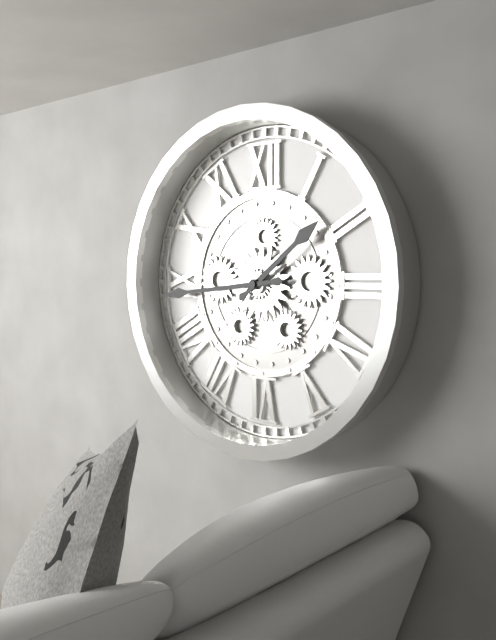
{"hour": 1, "minute": 44}
